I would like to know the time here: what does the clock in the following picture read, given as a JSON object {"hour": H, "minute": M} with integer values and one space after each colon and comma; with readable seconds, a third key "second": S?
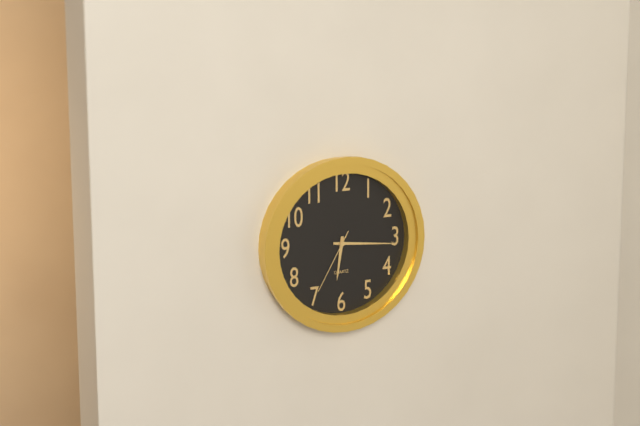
{"hour": 6, "minute": 16, "second": 35}
